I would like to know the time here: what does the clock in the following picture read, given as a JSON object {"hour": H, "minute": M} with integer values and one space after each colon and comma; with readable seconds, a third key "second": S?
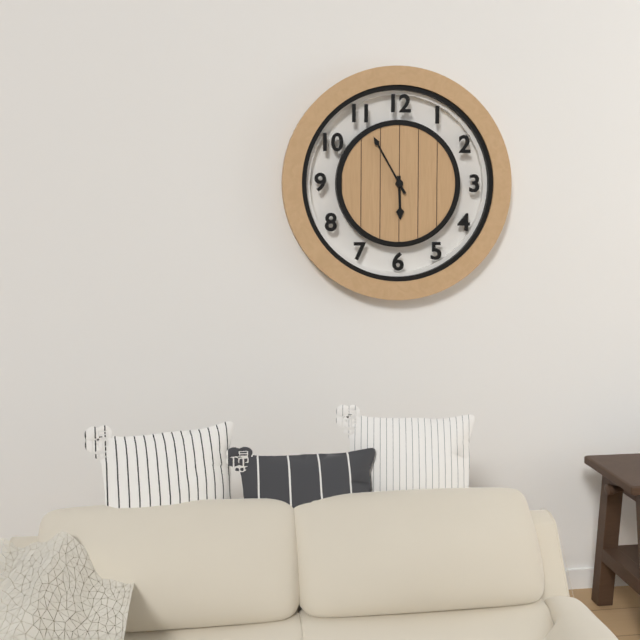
{"hour": 5, "minute": 55}
